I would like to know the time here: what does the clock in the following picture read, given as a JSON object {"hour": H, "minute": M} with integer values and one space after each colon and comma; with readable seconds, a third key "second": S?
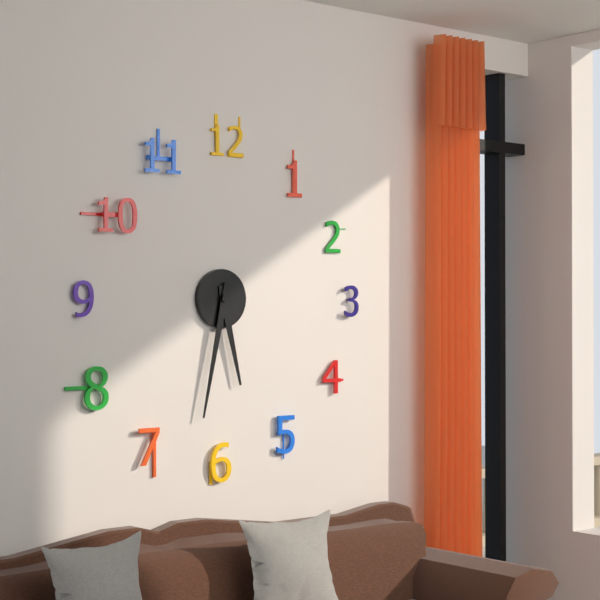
{"hour": 5, "minute": 32}
